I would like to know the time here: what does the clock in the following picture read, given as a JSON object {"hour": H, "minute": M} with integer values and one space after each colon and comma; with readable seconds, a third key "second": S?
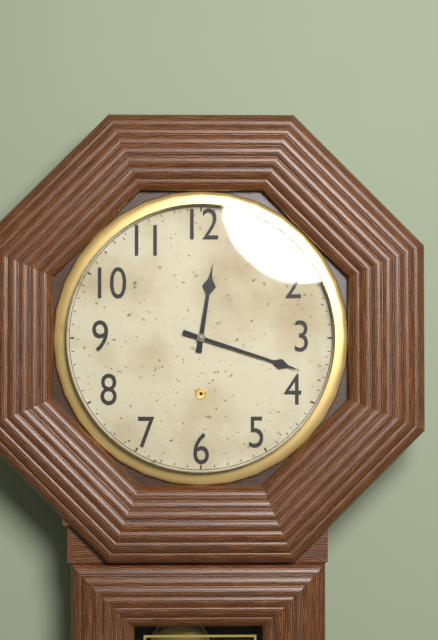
{"hour": 12, "minute": 18}
